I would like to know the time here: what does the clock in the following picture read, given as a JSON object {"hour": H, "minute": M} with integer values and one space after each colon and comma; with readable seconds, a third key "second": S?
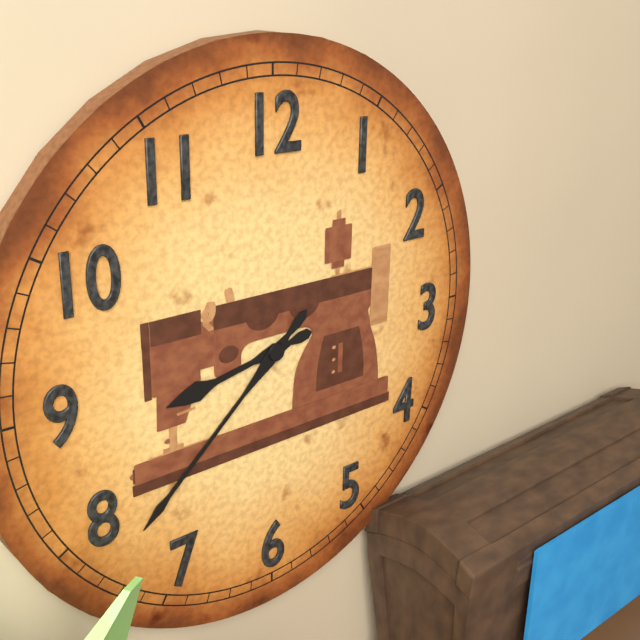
{"hour": 8, "minute": 38}
